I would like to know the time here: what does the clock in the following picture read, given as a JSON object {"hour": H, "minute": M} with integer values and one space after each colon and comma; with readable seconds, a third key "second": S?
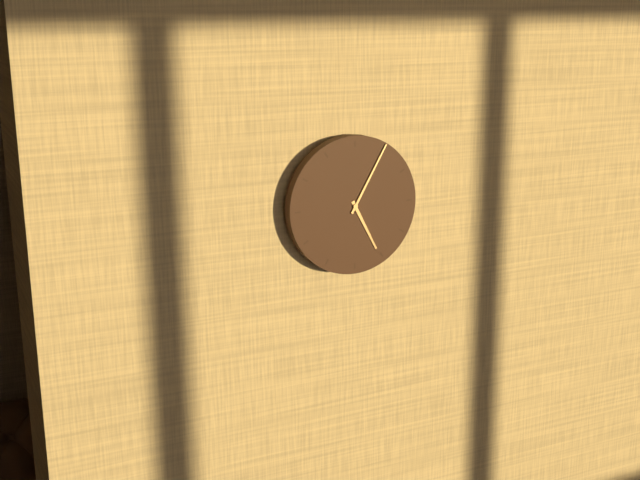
{"hour": 5, "minute": 5}
